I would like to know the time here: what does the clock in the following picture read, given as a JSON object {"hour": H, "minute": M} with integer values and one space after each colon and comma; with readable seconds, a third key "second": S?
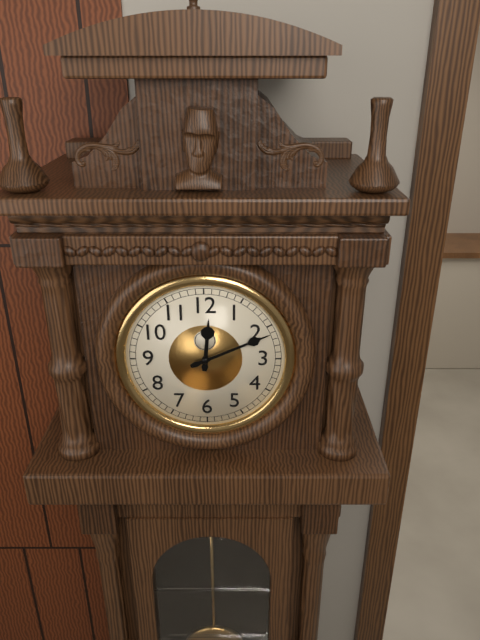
{"hour": 12, "minute": 11}
